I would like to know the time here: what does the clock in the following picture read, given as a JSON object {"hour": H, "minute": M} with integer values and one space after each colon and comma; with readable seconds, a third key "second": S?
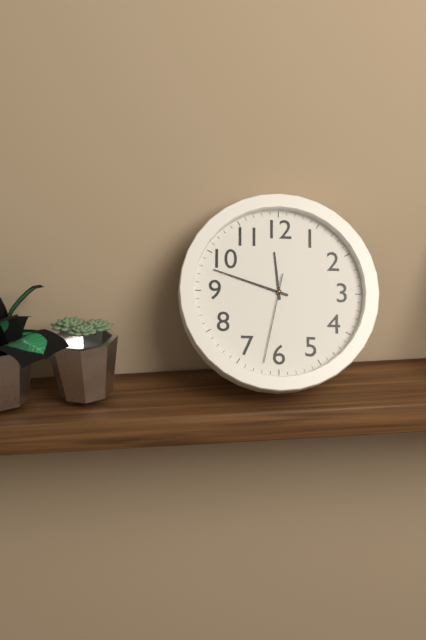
{"hour": 11, "minute": 48, "second": 32}
